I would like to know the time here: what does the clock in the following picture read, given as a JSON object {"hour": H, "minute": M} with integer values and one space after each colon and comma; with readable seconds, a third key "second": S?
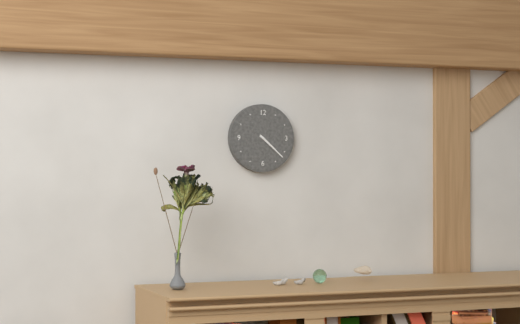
{"hour": 4, "minute": 22}
